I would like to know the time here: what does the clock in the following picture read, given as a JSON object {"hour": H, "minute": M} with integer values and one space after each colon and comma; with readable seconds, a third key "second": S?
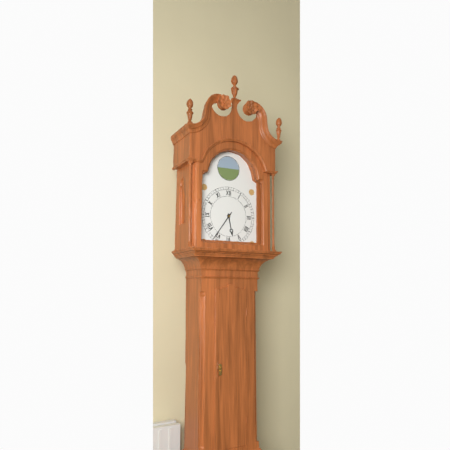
{"hour": 5, "minute": 36}
